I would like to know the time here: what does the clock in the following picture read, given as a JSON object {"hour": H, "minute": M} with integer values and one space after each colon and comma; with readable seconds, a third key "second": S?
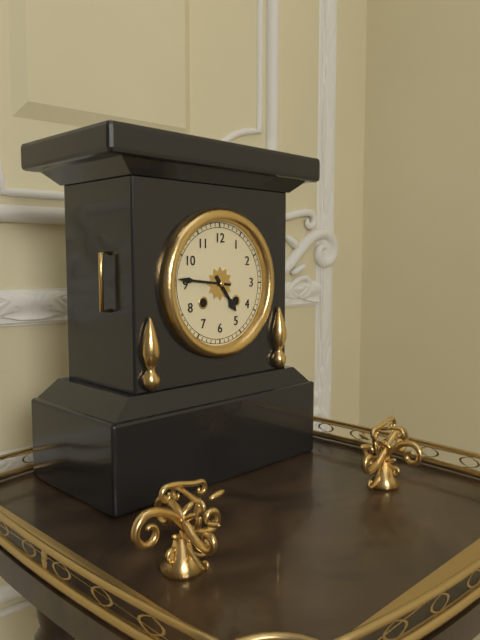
{"hour": 4, "minute": 46}
